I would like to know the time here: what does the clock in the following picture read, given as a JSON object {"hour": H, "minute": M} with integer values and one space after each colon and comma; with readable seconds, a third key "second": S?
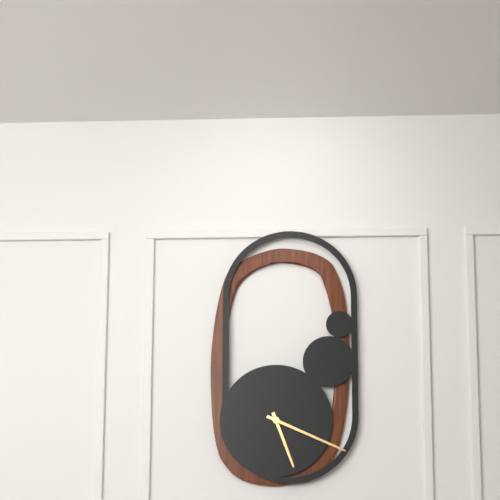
{"hour": 5, "minute": 19}
